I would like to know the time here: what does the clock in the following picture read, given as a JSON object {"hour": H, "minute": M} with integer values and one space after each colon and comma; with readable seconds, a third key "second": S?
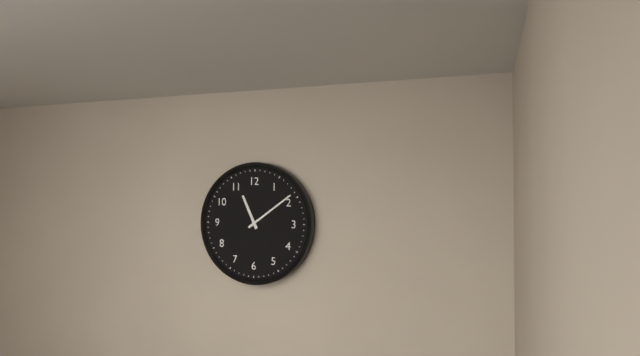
{"hour": 11, "minute": 9}
